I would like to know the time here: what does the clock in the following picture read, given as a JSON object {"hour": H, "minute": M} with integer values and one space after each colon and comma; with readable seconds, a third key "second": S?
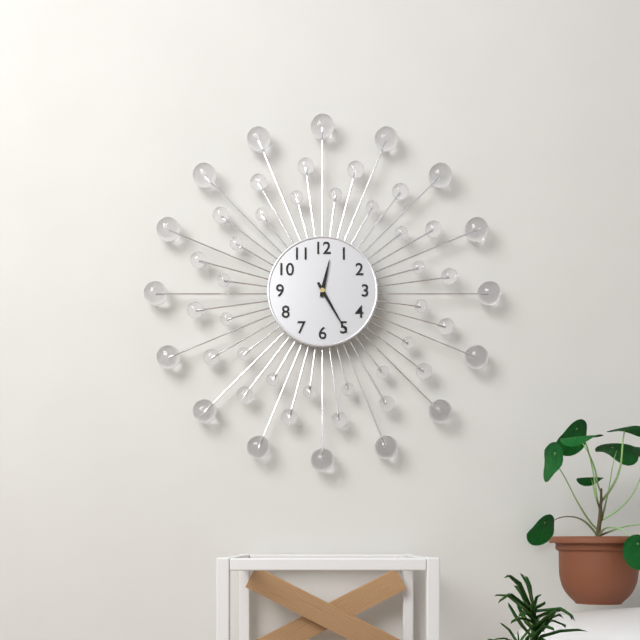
{"hour": 12, "minute": 25}
